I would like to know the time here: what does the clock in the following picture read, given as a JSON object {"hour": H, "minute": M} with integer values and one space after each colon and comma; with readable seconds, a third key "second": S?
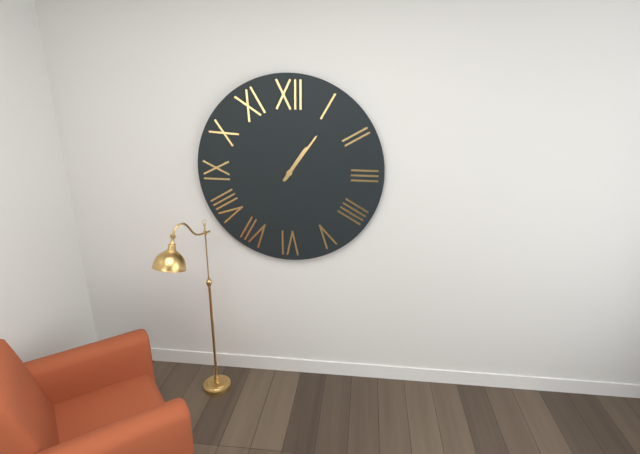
{"hour": 1, "minute": 6}
